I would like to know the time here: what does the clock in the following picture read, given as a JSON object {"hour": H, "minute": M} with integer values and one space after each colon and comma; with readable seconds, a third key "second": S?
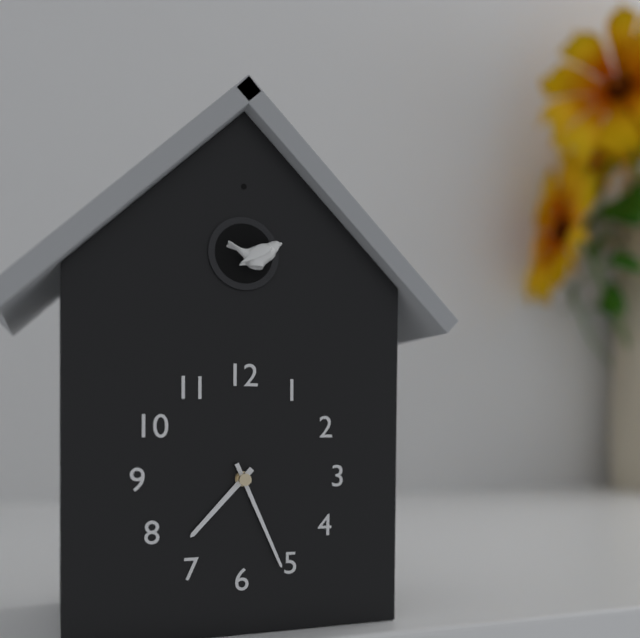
{"hour": 7, "minute": 26}
